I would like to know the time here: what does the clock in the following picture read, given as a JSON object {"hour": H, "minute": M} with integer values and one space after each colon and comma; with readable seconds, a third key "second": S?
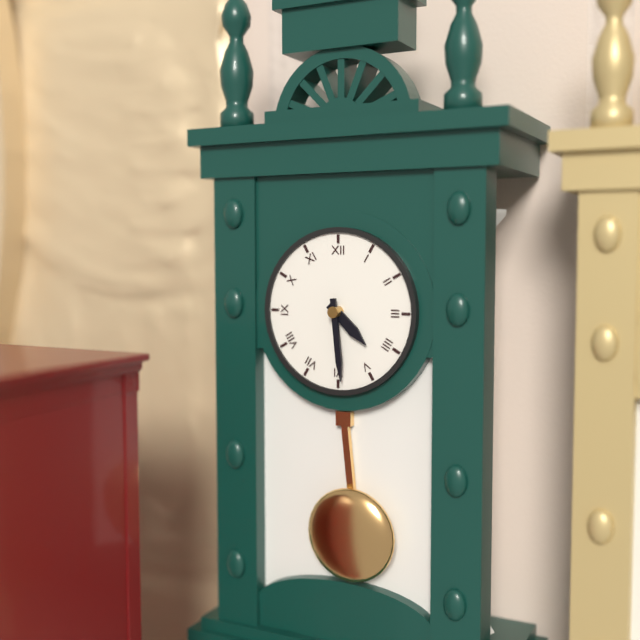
{"hour": 4, "minute": 29}
